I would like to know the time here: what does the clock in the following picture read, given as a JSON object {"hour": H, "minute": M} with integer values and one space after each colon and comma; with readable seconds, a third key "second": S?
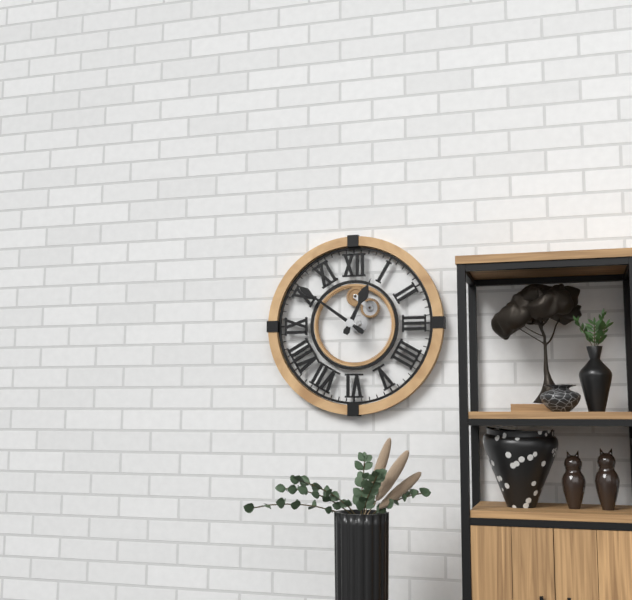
{"hour": 12, "minute": 51}
